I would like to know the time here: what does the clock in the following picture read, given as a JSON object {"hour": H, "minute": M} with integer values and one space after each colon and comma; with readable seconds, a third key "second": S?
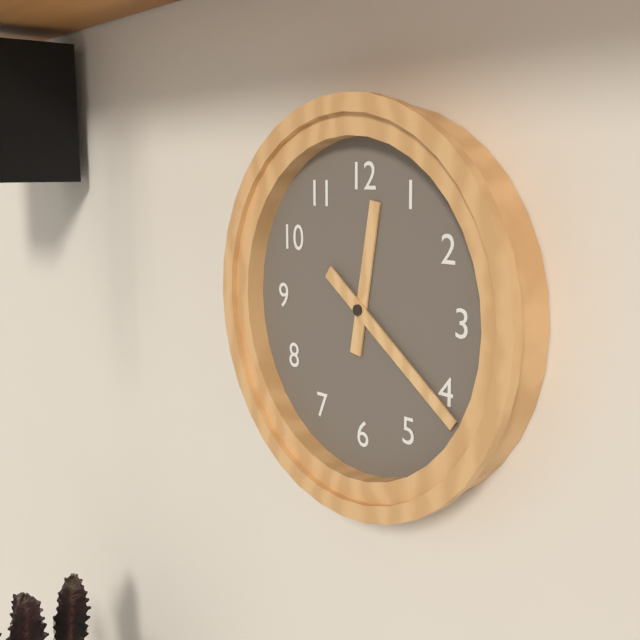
{"hour": 12, "minute": 21}
